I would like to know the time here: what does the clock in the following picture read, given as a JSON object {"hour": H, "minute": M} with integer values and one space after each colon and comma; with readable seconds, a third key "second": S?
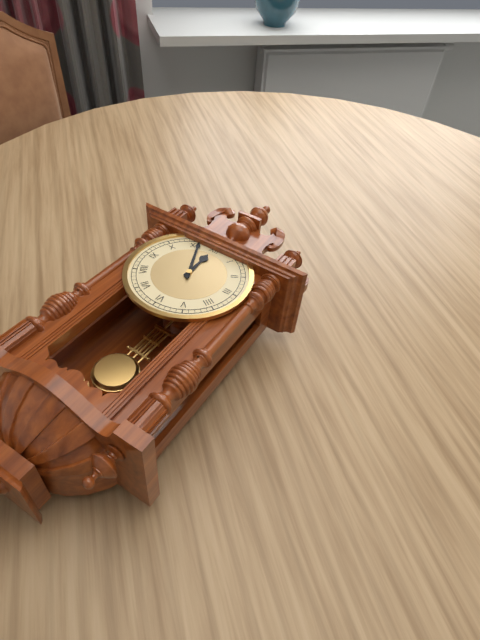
{"hour": 11, "minute": 56}
